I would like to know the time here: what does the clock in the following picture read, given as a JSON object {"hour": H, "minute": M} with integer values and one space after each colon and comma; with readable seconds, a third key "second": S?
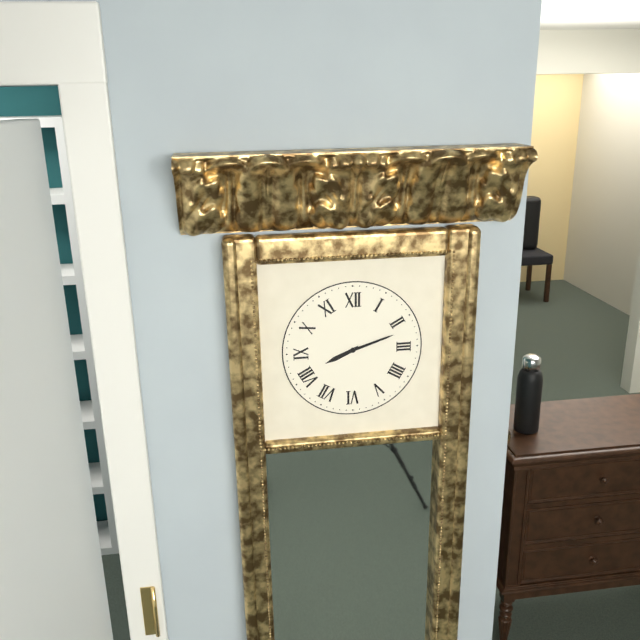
{"hour": 8, "minute": 12}
